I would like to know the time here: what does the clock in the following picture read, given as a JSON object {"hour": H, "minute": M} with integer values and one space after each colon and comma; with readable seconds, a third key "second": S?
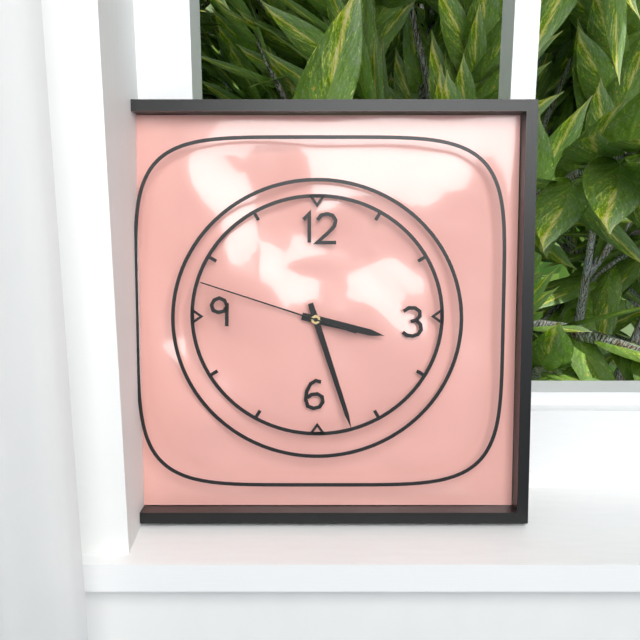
{"hour": 3, "minute": 27, "second": 48}
